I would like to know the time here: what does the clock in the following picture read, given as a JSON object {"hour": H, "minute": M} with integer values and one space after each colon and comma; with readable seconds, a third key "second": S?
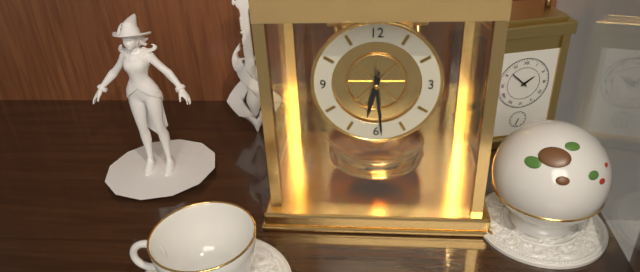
{"hour": 6, "minute": 29}
